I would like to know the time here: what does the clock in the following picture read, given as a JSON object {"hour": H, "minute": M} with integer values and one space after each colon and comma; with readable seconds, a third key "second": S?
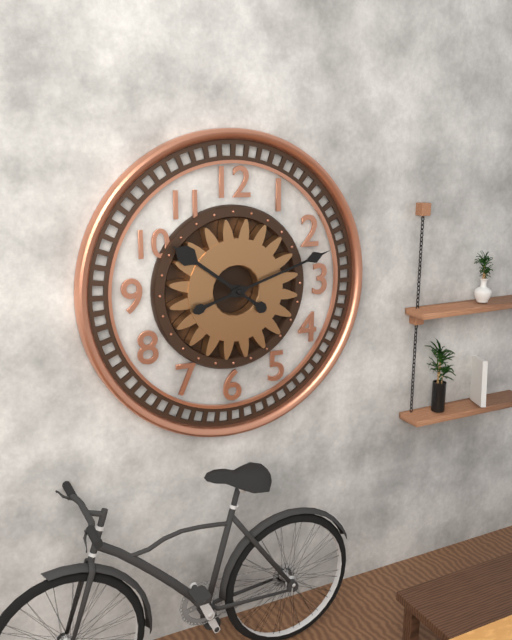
{"hour": 10, "minute": 12}
